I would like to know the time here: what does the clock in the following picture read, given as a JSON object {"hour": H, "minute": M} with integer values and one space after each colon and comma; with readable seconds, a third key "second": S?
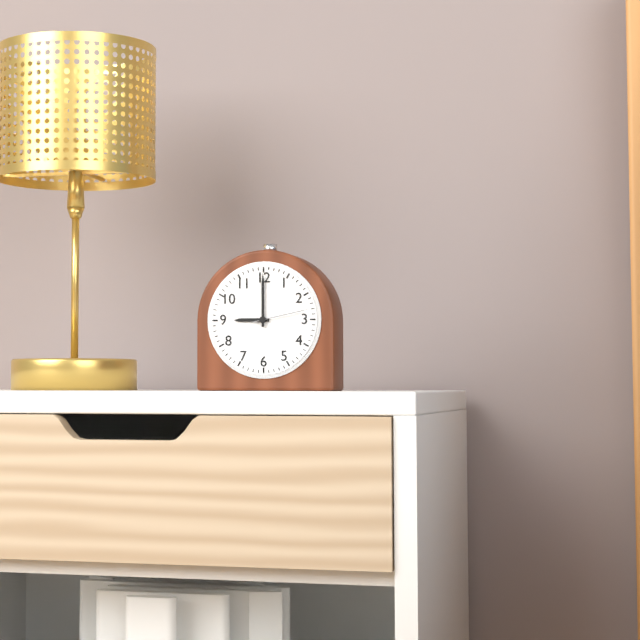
{"hour": 9, "minute": 0, "second": 13}
